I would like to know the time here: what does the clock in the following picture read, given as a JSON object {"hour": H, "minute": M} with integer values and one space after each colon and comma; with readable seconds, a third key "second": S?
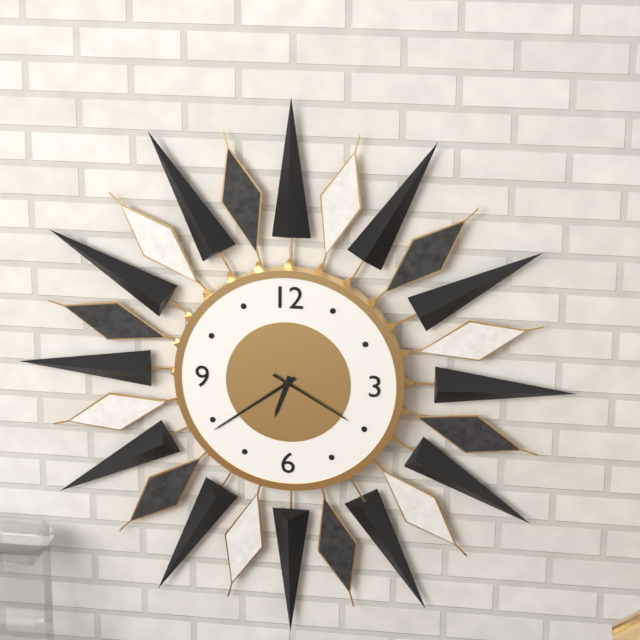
{"hour": 6, "minute": 39, "second": 20}
